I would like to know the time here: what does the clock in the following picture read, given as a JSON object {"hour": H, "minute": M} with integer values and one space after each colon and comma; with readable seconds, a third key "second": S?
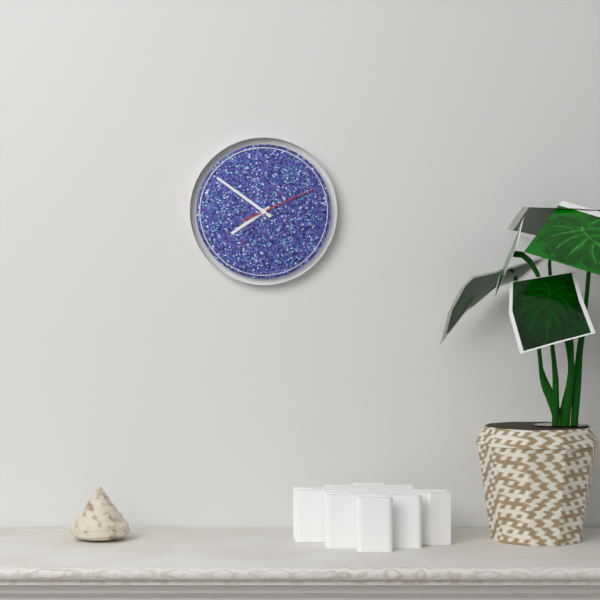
{"hour": 7, "minute": 51, "second": 11}
